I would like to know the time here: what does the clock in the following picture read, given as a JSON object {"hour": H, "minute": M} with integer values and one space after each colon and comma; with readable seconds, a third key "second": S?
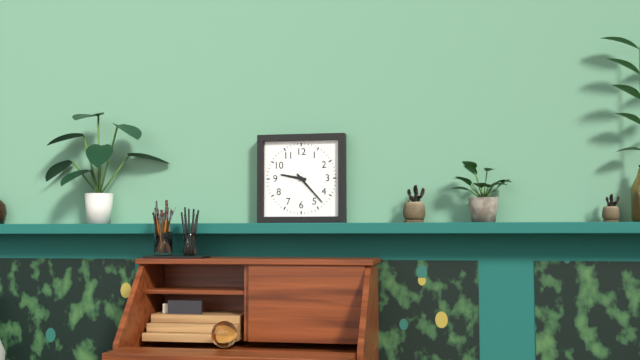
{"hour": 9, "minute": 23}
